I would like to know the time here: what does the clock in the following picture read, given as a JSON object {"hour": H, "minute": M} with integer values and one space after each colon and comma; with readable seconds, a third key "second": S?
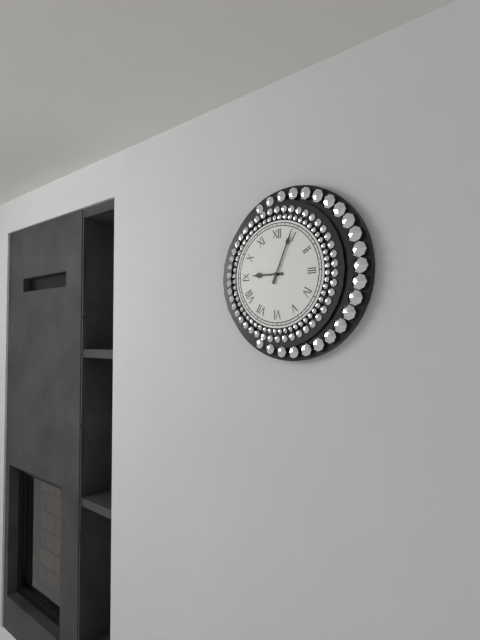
{"hour": 9, "minute": 4}
